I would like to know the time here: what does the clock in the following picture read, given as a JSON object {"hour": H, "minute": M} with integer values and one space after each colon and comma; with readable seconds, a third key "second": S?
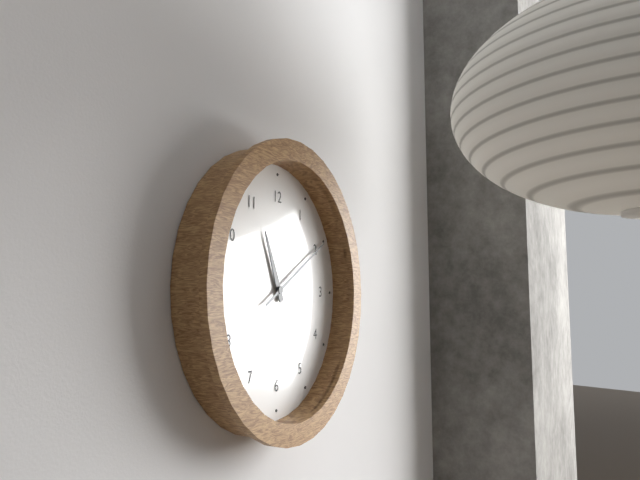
{"hour": 11, "minute": 10}
